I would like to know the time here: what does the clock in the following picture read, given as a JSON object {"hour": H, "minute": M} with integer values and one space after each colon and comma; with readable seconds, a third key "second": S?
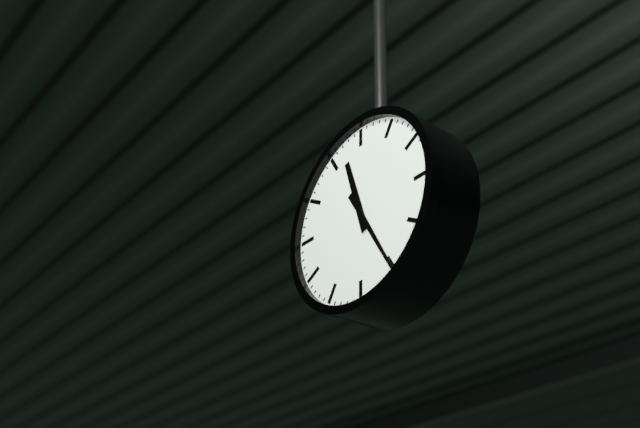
{"hour": 11, "minute": 25}
